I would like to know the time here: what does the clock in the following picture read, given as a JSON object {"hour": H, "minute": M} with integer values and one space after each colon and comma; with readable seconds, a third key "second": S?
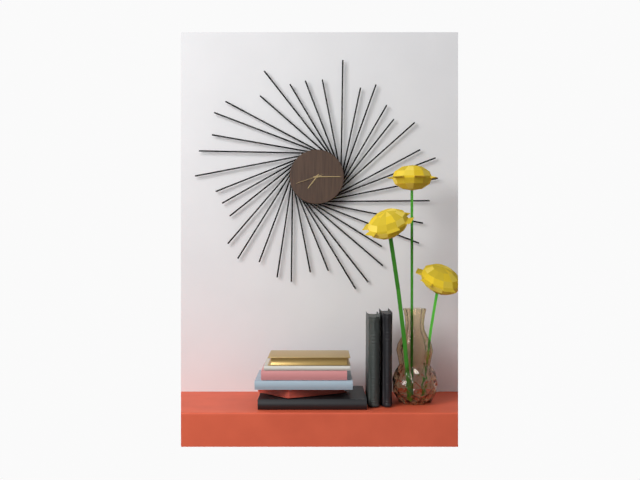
{"hour": 7, "minute": 15}
